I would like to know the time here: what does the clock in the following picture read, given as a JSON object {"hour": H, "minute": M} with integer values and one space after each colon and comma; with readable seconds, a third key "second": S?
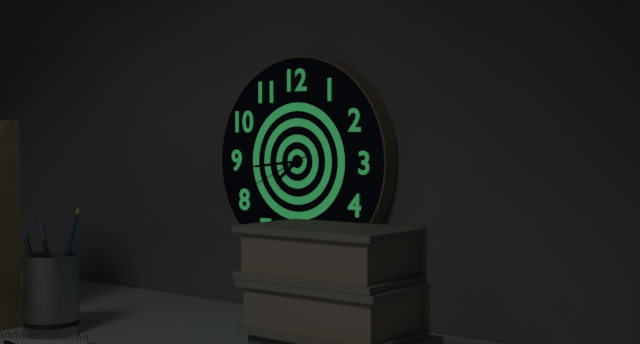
{"hour": 7, "minute": 44, "second": 41}
